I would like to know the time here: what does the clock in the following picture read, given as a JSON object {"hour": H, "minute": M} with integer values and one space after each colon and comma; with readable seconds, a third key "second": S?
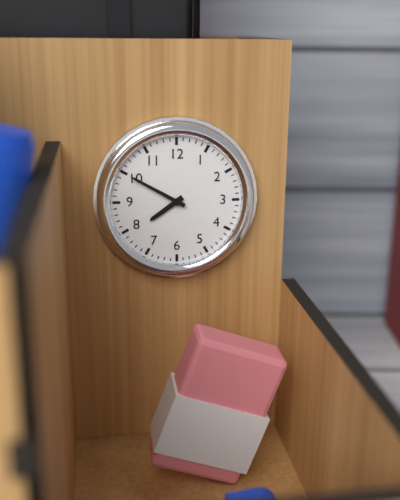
{"hour": 7, "minute": 50}
